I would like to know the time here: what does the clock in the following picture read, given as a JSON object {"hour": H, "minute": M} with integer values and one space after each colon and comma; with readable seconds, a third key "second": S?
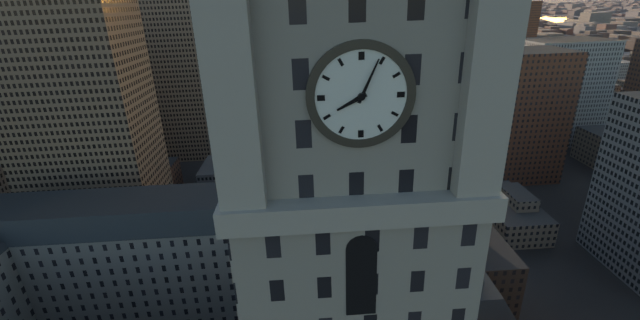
{"hour": 8, "minute": 4}
